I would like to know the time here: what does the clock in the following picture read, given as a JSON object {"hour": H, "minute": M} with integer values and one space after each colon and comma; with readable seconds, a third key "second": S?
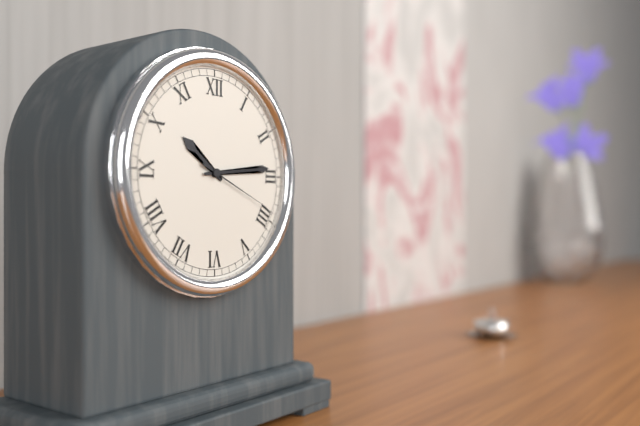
{"hour": 10, "minute": 14, "second": 19}
